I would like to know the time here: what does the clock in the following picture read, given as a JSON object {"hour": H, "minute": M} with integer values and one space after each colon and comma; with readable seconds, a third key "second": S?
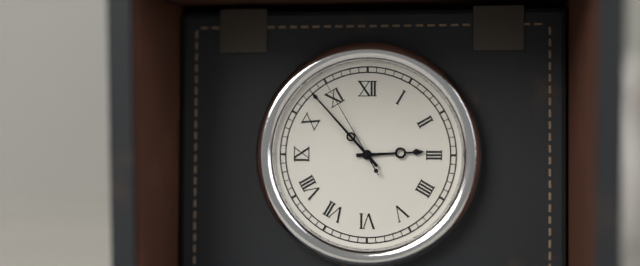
{"hour": 2, "minute": 53, "second": 55}
